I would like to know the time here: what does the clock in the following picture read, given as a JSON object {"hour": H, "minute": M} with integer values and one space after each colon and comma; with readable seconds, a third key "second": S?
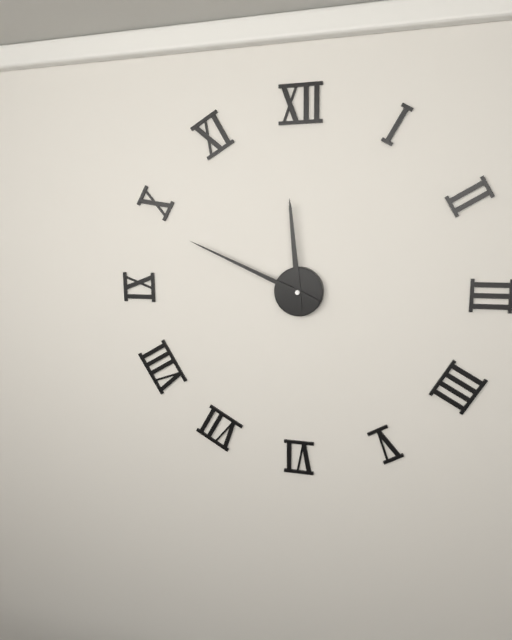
{"hour": 11, "minute": 49}
